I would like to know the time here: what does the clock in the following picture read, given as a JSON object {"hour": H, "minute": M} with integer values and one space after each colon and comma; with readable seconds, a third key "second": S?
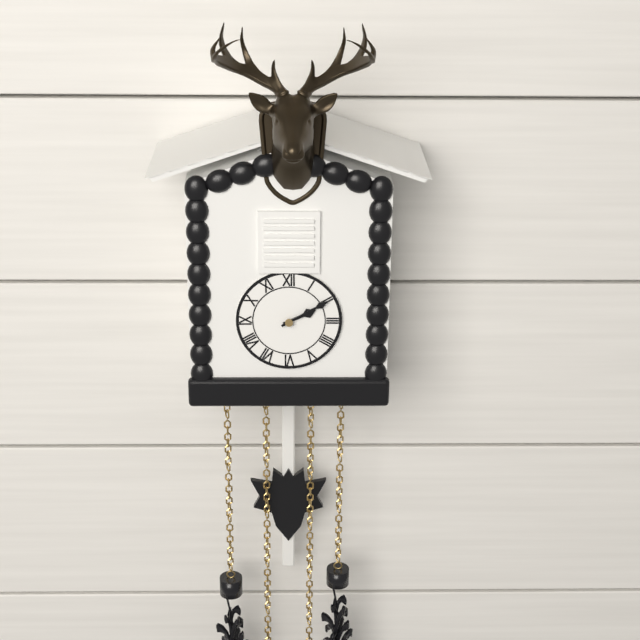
{"hour": 2, "minute": 10}
